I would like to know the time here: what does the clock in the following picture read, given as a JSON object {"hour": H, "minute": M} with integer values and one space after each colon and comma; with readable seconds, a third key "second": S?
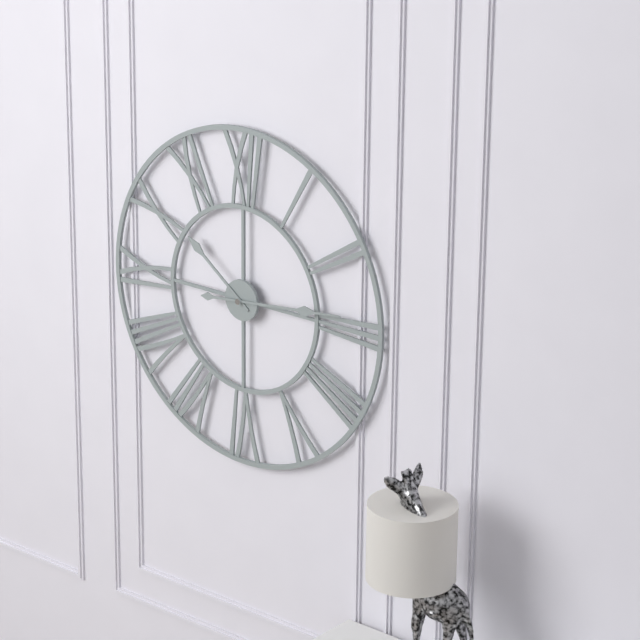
{"hour": 10, "minute": 14}
